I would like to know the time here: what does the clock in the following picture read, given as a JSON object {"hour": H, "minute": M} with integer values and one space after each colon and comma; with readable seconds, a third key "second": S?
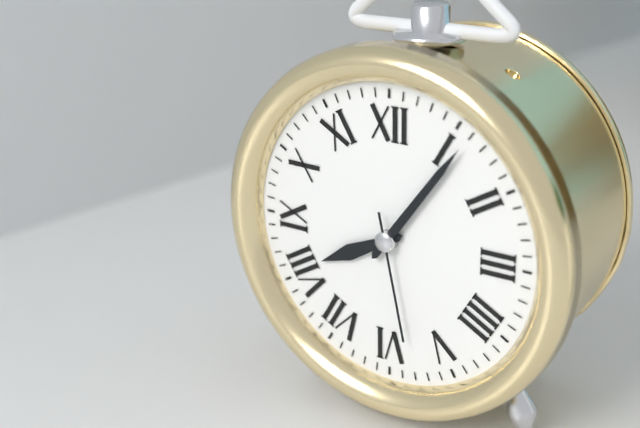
{"hour": 8, "minute": 6, "second": 28}
